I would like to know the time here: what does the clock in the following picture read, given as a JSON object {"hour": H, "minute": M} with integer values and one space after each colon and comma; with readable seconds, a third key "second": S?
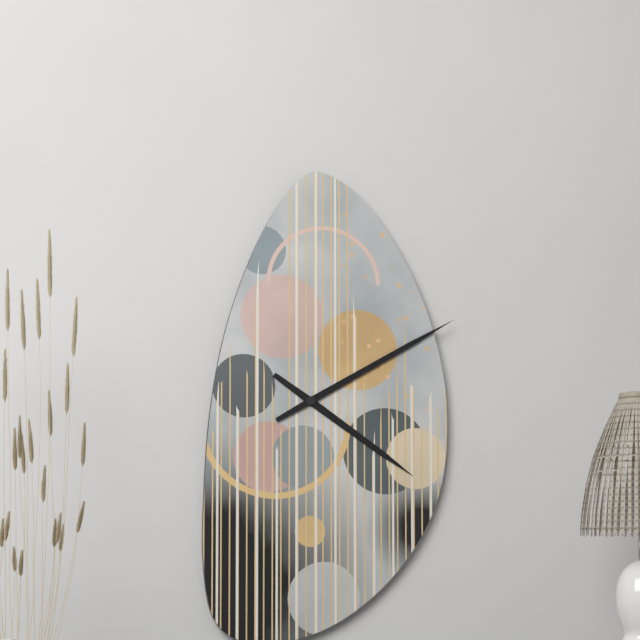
{"hour": 4, "minute": 10}
